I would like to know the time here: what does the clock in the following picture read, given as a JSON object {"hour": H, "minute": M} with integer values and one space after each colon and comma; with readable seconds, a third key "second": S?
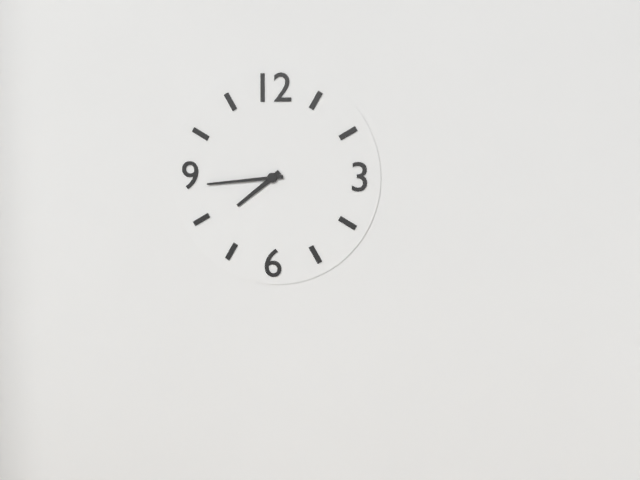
{"hour": 7, "minute": 44}
